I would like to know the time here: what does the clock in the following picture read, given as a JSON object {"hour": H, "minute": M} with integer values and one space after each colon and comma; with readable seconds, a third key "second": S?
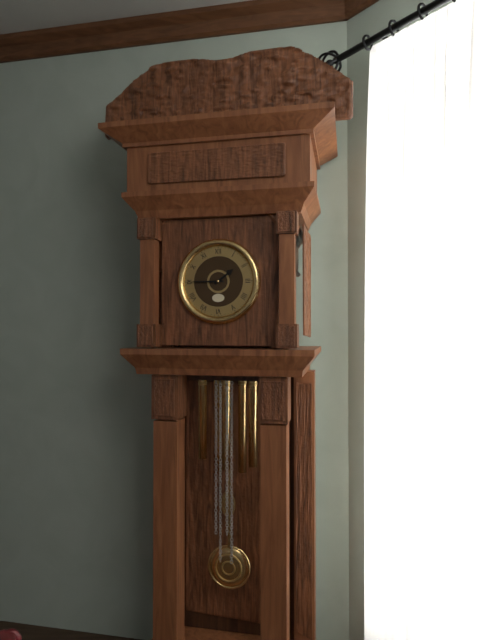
{"hour": 1, "minute": 45}
